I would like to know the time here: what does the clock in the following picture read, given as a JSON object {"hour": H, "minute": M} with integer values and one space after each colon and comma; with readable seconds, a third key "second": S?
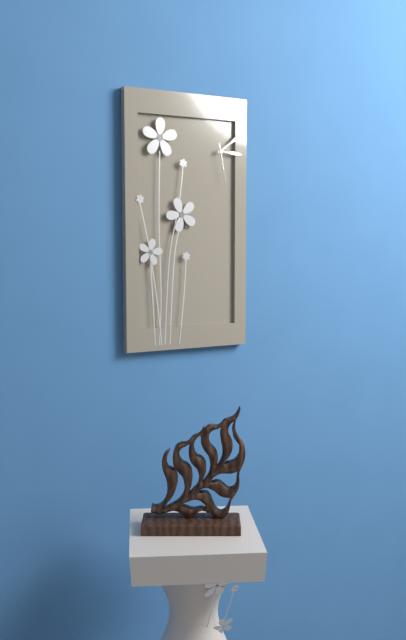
{"hour": 3, "minute": 9}
